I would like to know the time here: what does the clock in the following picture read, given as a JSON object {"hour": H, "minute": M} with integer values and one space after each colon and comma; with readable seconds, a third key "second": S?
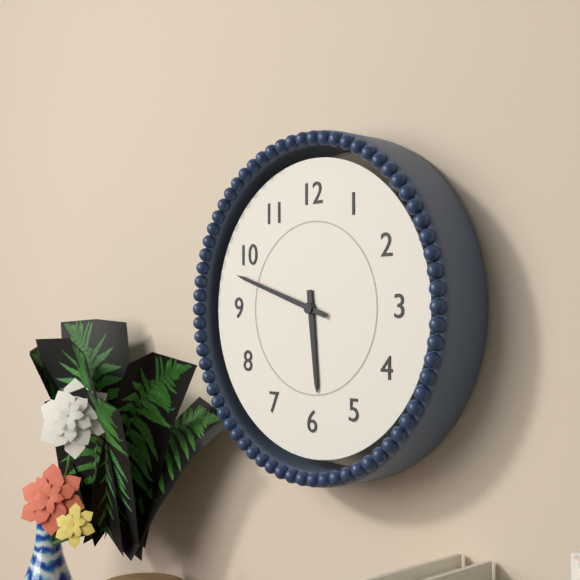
{"hour": 5, "minute": 48}
